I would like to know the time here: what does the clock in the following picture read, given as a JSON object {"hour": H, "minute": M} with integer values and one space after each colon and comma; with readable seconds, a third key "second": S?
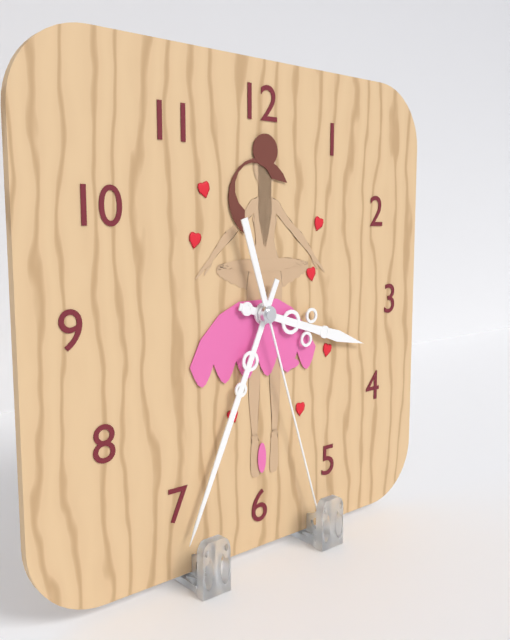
{"hour": 3, "minute": 34, "second": 27}
